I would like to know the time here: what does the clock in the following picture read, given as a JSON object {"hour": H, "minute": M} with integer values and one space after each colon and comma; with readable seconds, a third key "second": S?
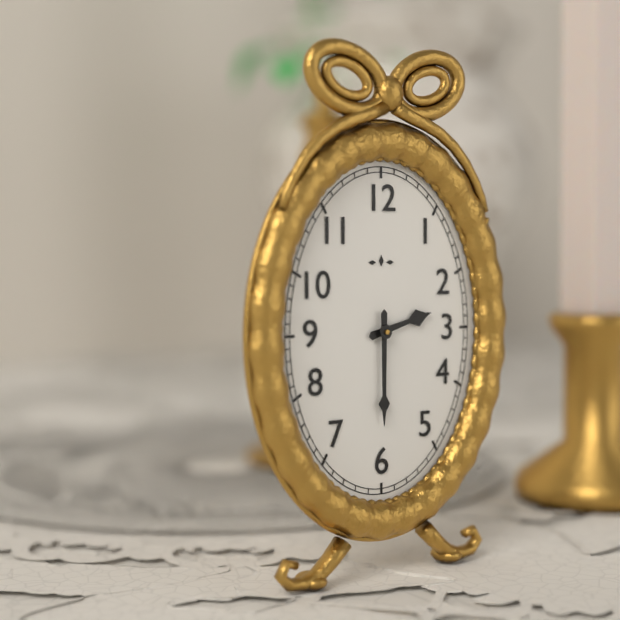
{"hour": 2, "minute": 30}
